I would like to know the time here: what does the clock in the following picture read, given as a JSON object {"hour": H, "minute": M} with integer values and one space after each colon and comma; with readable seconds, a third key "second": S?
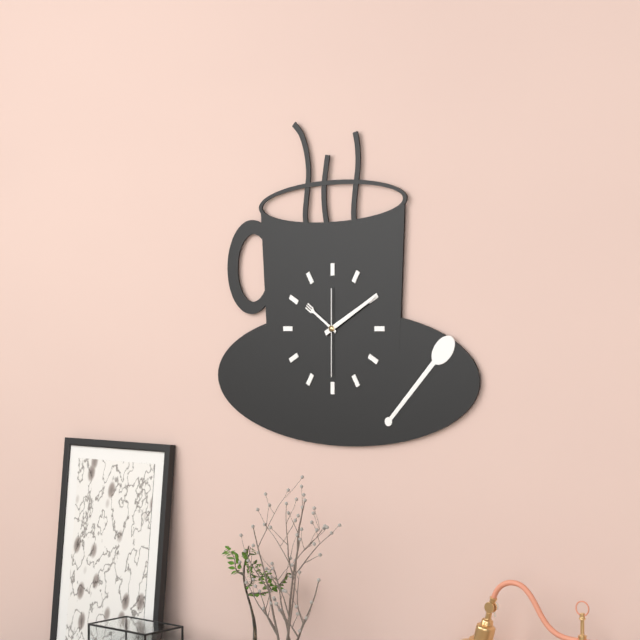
{"hour": 10, "minute": 10, "second": 30}
